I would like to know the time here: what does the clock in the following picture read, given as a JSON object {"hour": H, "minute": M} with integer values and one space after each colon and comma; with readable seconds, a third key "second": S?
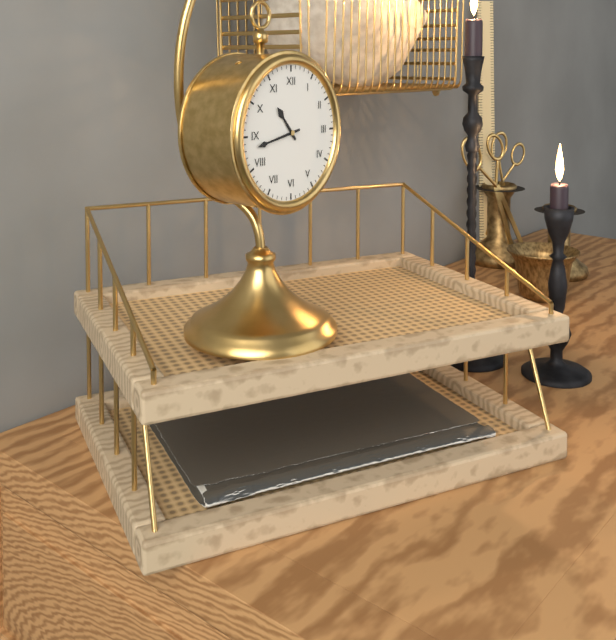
{"hour": 10, "minute": 43}
